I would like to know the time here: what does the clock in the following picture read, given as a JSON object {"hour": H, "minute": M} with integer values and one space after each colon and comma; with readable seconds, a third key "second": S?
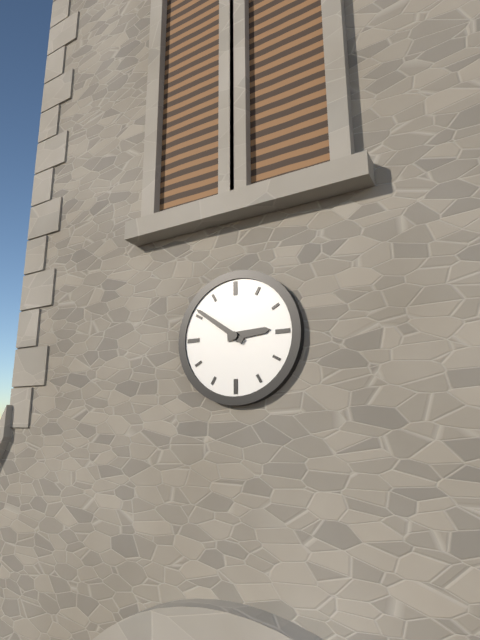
{"hour": 2, "minute": 51}
